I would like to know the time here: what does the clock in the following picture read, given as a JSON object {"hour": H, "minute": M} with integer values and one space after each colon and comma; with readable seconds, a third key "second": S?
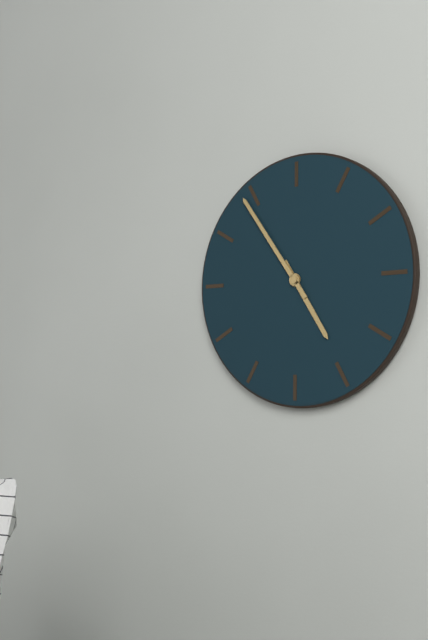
{"hour": 4, "minute": 54}
